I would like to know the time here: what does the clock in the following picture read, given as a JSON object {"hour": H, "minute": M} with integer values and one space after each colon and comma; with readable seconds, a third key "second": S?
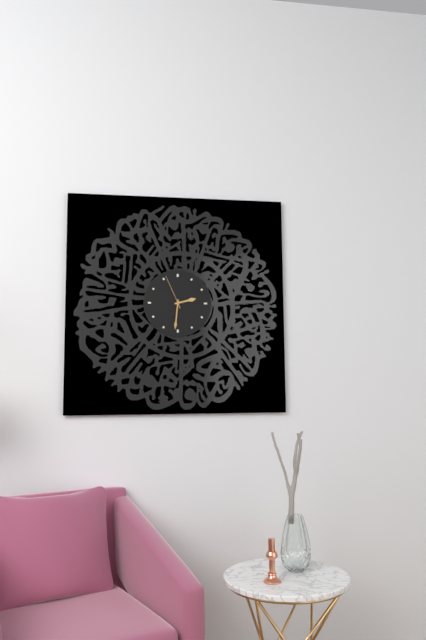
{"hour": 2, "minute": 31}
